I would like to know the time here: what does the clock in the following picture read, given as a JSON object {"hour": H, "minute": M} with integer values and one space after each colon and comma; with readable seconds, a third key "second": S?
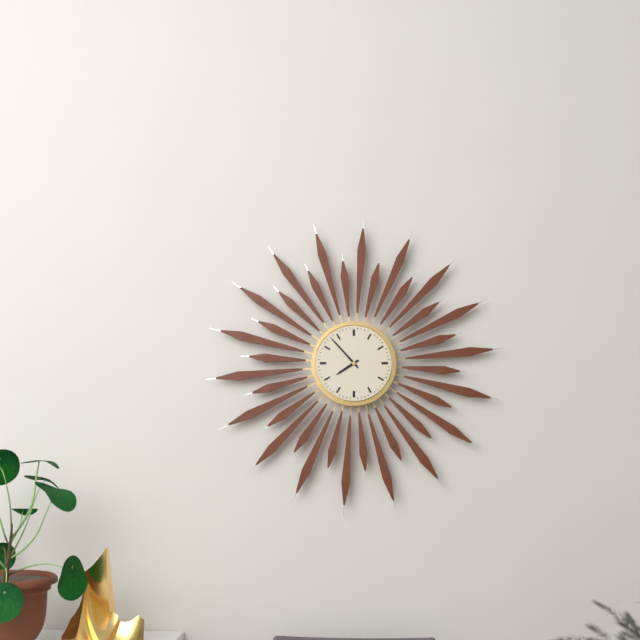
{"hour": 7, "minute": 53}
